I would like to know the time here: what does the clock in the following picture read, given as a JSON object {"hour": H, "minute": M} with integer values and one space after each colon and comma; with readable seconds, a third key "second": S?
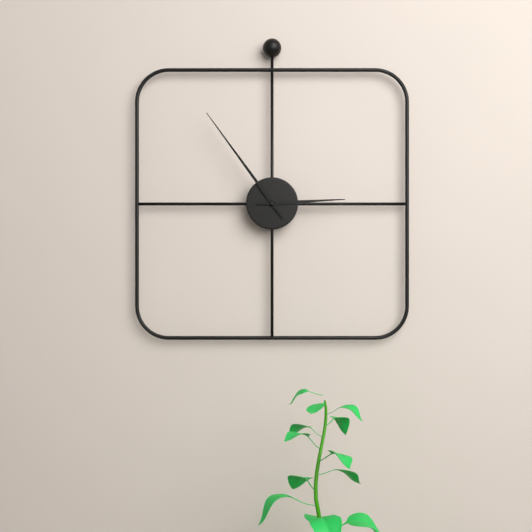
{"hour": 2, "minute": 54}
